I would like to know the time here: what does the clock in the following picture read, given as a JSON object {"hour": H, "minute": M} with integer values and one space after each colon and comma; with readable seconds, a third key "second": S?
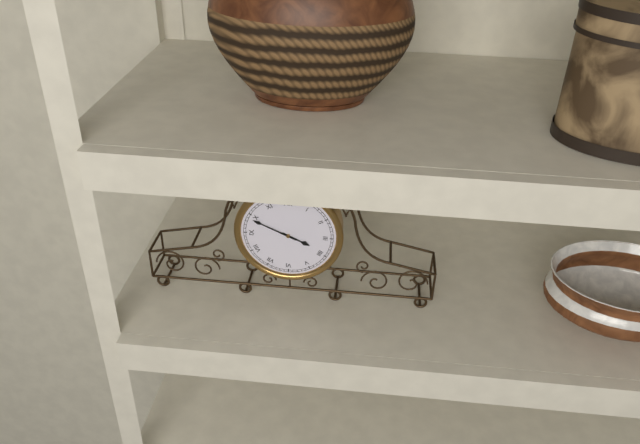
{"hour": 3, "minute": 49}
